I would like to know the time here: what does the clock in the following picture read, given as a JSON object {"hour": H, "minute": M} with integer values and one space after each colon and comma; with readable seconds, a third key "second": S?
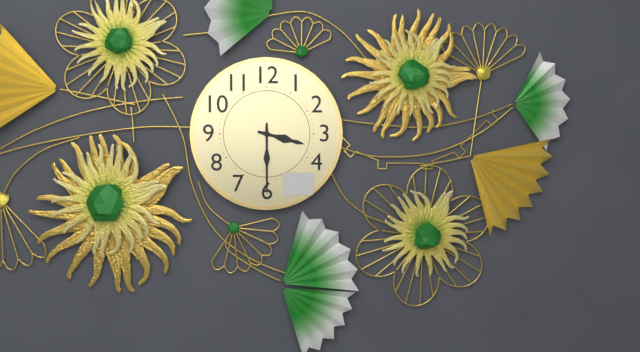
{"hour": 3, "minute": 30}
